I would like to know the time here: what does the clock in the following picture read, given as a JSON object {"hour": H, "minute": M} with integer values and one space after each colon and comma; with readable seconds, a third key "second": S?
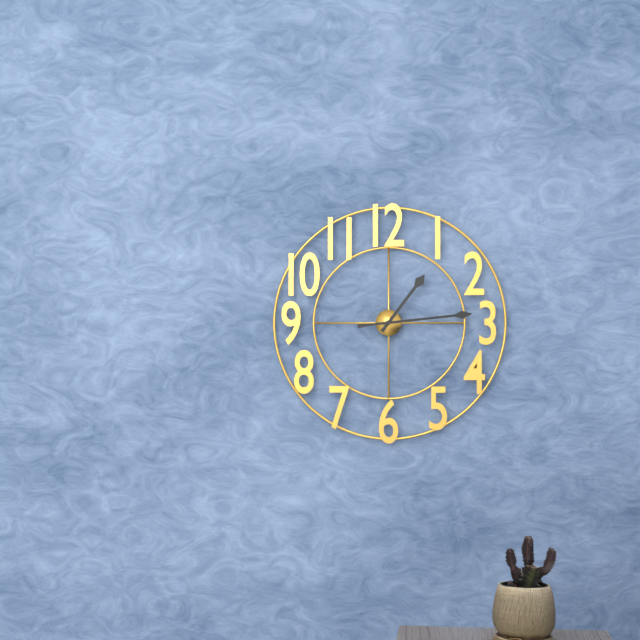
{"hour": 1, "minute": 14}
